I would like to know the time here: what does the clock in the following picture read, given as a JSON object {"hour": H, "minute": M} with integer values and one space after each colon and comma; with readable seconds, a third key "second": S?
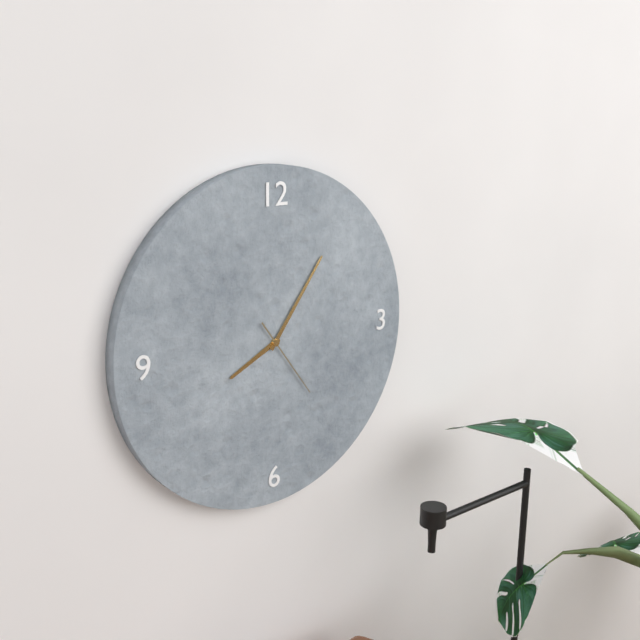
{"hour": 8, "minute": 6, "second": 24}
